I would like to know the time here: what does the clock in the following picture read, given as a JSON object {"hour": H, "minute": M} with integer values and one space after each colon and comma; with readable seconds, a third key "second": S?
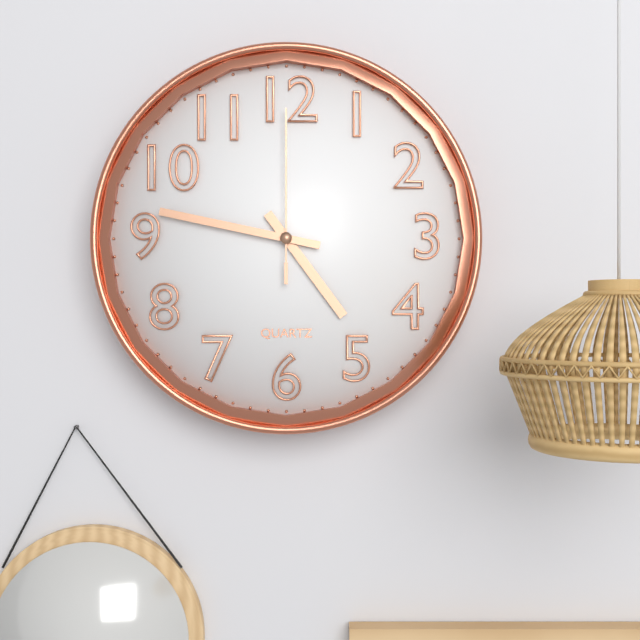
{"hour": 4, "minute": 47, "second": 0}
